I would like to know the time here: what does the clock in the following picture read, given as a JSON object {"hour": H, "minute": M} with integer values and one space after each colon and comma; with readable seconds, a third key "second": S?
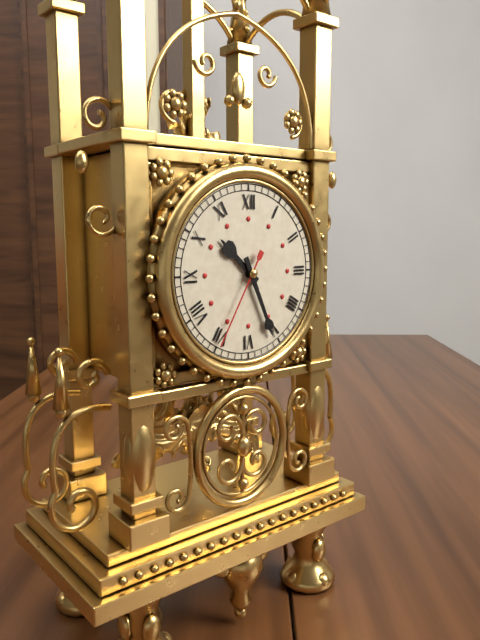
{"hour": 10, "minute": 26, "second": 35}
